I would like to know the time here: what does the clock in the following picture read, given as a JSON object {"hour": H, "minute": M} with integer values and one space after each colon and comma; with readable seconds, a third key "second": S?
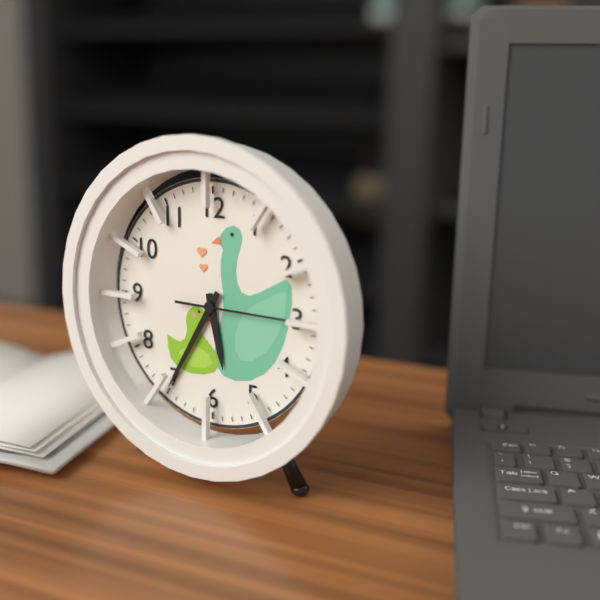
{"hour": 5, "minute": 35, "second": 15}
